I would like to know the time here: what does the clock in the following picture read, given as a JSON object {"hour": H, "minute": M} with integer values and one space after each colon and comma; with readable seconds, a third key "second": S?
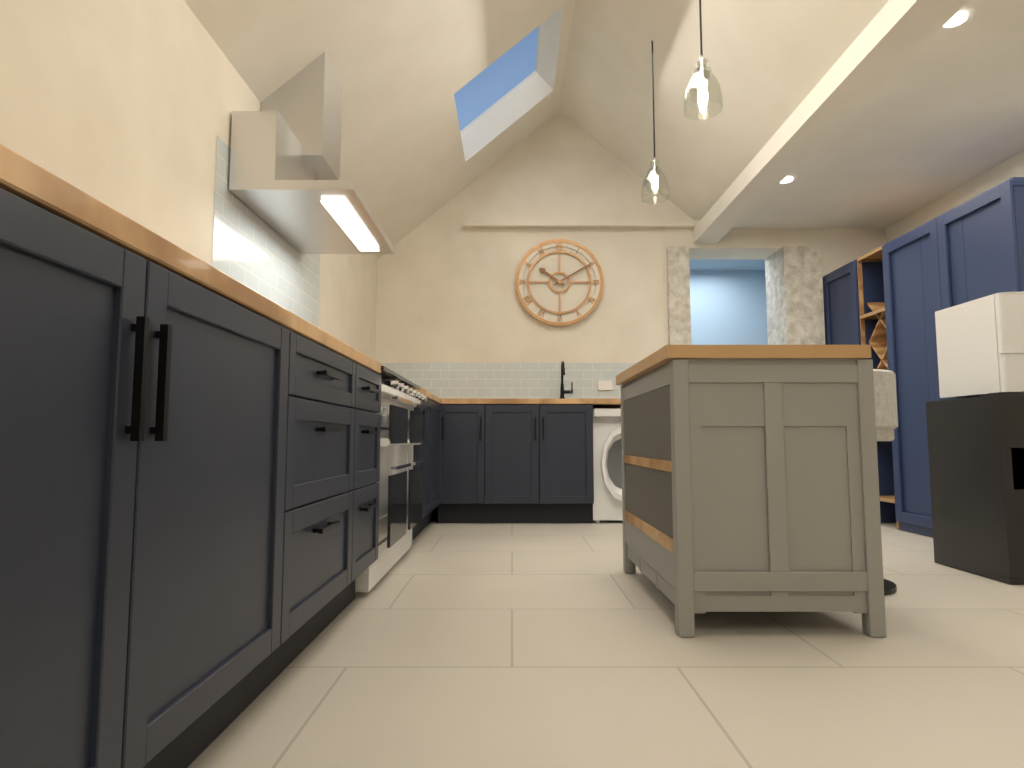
{"hour": 10, "minute": 10}
